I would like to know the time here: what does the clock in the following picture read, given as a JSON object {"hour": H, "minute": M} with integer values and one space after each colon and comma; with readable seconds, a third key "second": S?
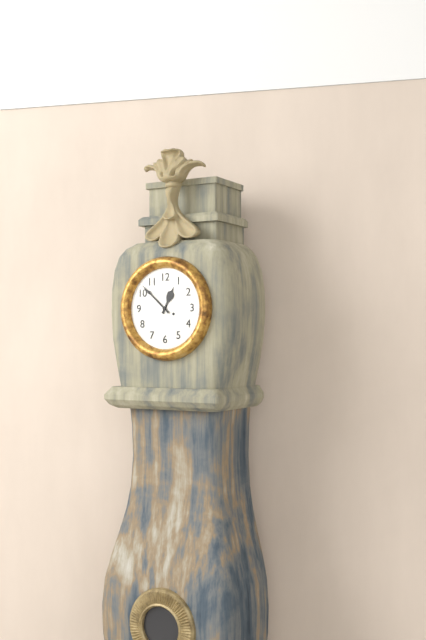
{"hour": 12, "minute": 52}
